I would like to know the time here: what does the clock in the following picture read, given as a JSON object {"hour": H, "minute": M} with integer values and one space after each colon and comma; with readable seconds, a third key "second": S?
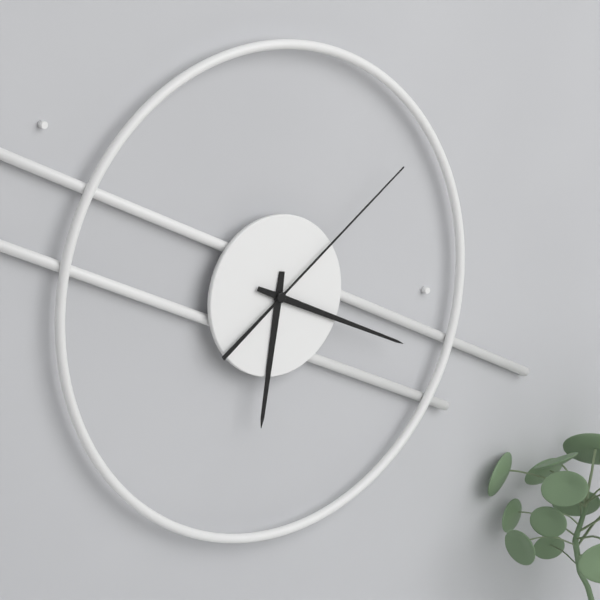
{"hour": 6, "minute": 19, "second": 9}
